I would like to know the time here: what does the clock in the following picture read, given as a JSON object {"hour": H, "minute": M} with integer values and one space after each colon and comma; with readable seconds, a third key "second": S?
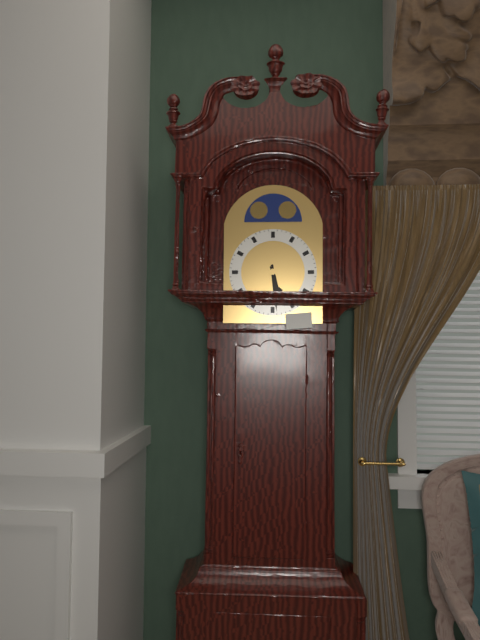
{"hour": 5, "minute": 29}
